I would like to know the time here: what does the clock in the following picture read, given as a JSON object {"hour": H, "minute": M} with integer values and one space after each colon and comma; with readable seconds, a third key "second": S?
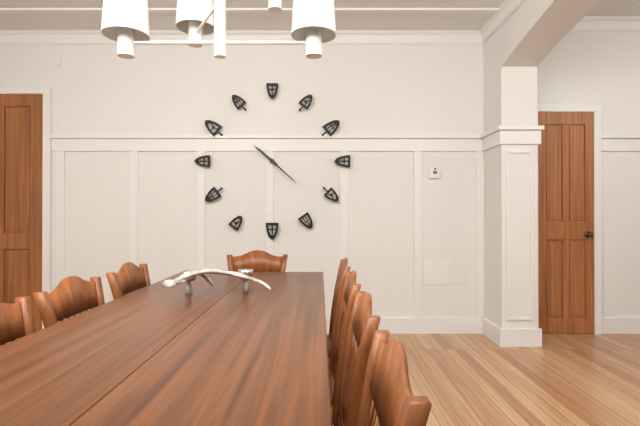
{"hour": 10, "minute": 22}
